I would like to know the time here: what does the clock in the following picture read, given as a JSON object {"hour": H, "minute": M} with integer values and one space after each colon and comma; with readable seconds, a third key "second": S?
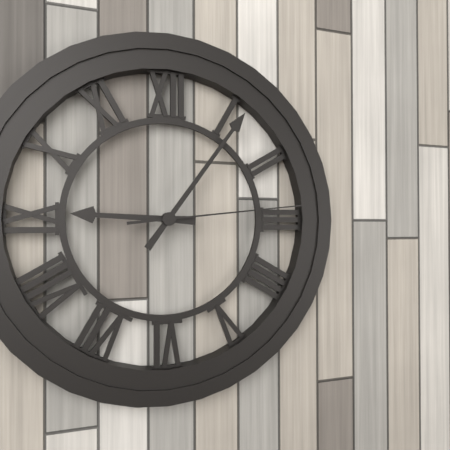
{"hour": 9, "minute": 6, "second": 14}
